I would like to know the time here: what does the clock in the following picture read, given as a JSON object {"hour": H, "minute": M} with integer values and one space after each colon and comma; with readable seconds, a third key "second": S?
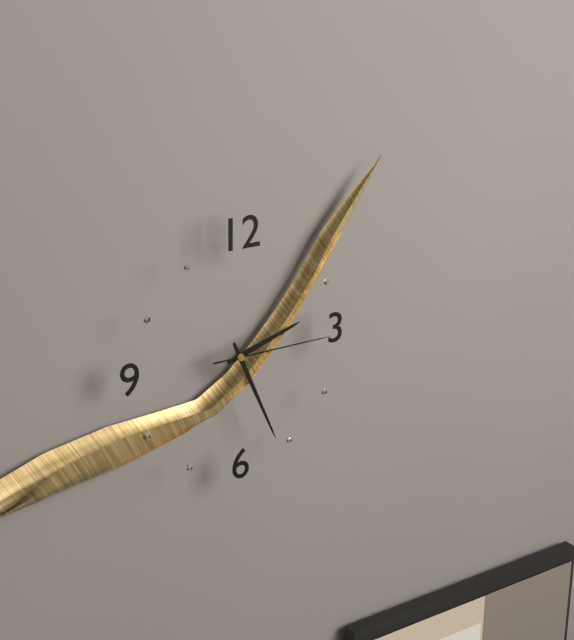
{"hour": 2, "minute": 26, "second": 15}
